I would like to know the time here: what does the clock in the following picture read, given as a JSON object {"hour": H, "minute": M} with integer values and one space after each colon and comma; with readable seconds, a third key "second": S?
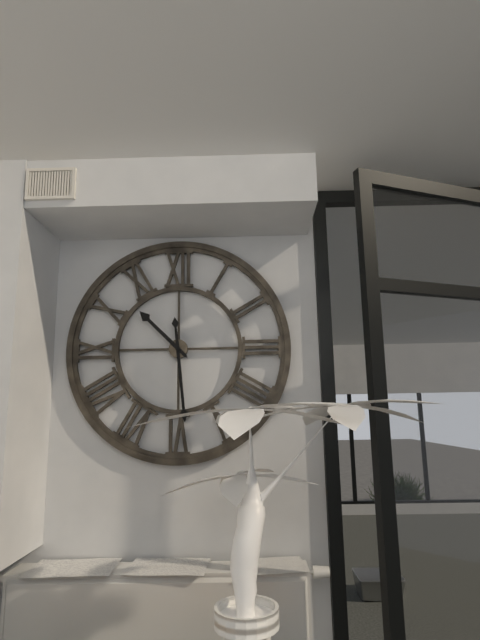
{"hour": 10, "minute": 29}
